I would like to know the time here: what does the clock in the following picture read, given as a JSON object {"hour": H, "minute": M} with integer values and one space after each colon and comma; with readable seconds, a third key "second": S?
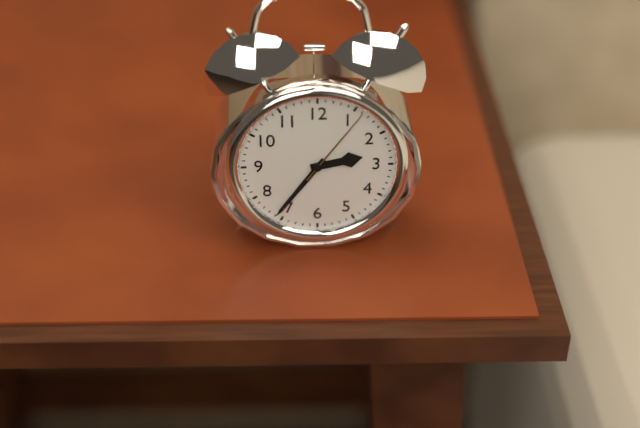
{"hour": 2, "minute": 36, "second": 6}
